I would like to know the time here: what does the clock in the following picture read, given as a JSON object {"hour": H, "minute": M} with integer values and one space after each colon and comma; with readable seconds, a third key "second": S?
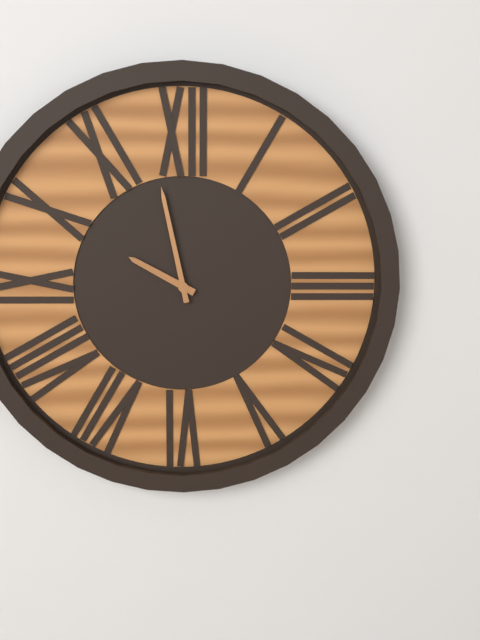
{"hour": 9, "minute": 58}
